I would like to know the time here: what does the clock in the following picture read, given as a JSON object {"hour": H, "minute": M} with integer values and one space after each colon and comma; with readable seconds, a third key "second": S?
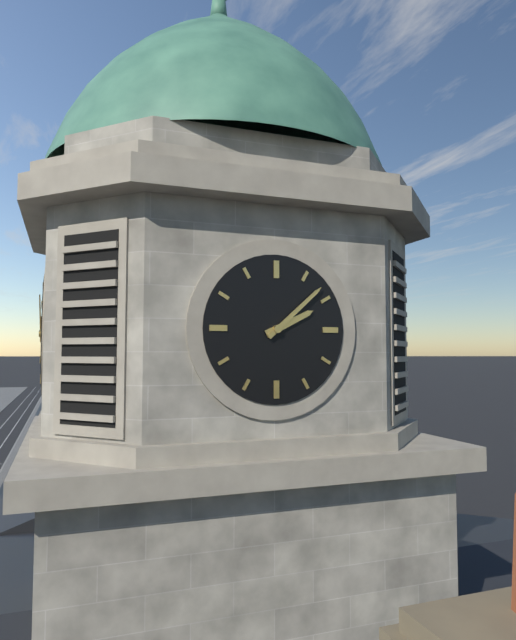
{"hour": 2, "minute": 8}
